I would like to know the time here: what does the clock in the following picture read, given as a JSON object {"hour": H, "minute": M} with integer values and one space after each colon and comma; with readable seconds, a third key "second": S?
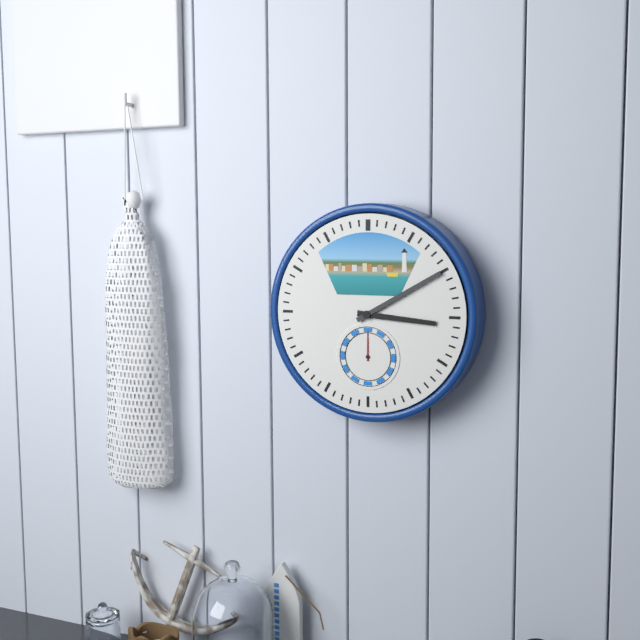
{"hour": 3, "minute": 10}
